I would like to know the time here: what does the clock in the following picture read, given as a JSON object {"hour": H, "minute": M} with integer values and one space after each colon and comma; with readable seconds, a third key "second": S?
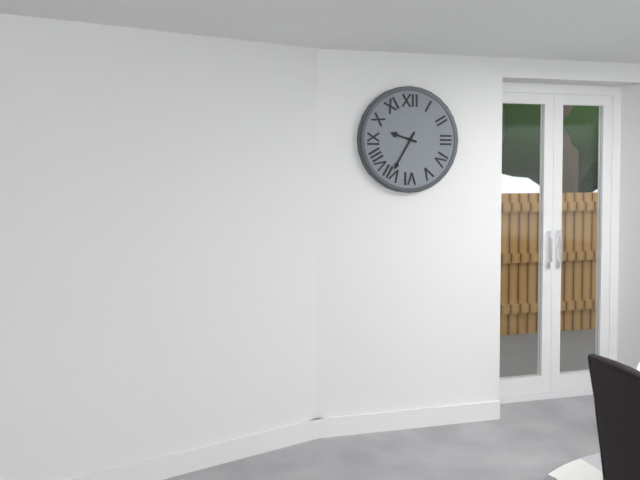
{"hour": 9, "minute": 35}
